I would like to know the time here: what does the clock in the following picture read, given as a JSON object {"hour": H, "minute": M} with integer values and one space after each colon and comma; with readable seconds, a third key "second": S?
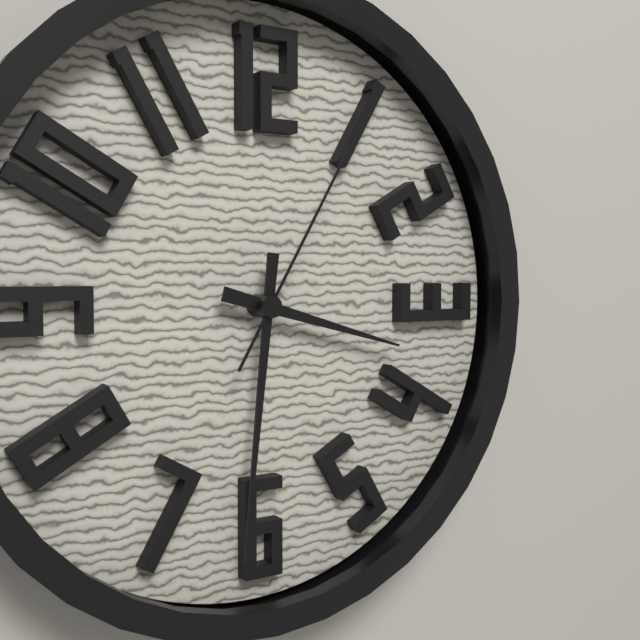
{"hour": 3, "minute": 31, "second": 5}
